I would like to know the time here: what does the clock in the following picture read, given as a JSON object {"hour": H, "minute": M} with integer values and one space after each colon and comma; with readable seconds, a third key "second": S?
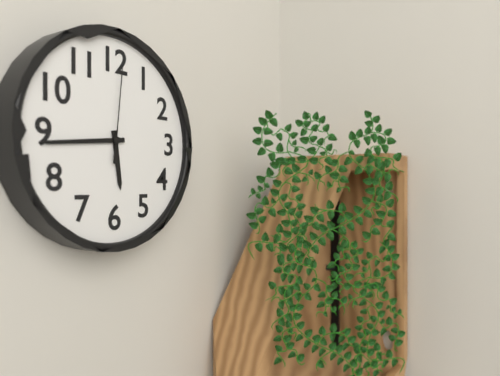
{"hour": 5, "minute": 44, "second": 1}
